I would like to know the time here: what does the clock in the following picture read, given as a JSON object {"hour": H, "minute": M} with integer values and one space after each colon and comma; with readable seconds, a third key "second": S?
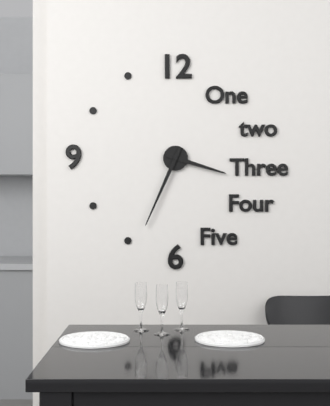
{"hour": 3, "minute": 34}
